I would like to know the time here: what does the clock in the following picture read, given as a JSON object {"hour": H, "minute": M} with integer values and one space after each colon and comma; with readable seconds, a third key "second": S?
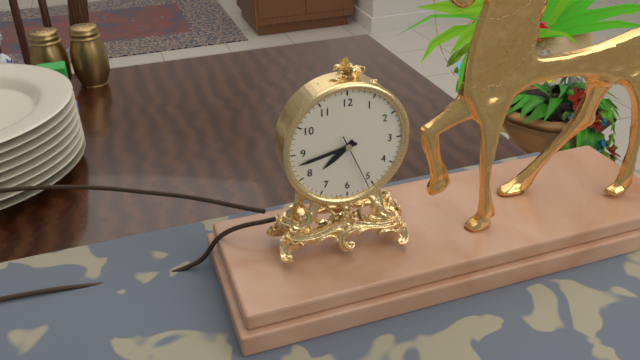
{"hour": 7, "minute": 43, "second": 26}
